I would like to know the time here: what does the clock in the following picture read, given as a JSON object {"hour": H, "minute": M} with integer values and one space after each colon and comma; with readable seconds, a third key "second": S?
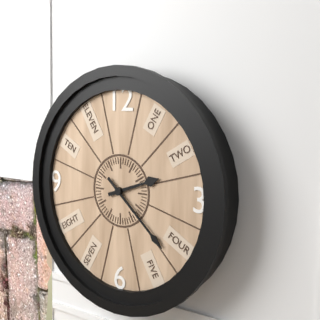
{"hour": 2, "minute": 22}
